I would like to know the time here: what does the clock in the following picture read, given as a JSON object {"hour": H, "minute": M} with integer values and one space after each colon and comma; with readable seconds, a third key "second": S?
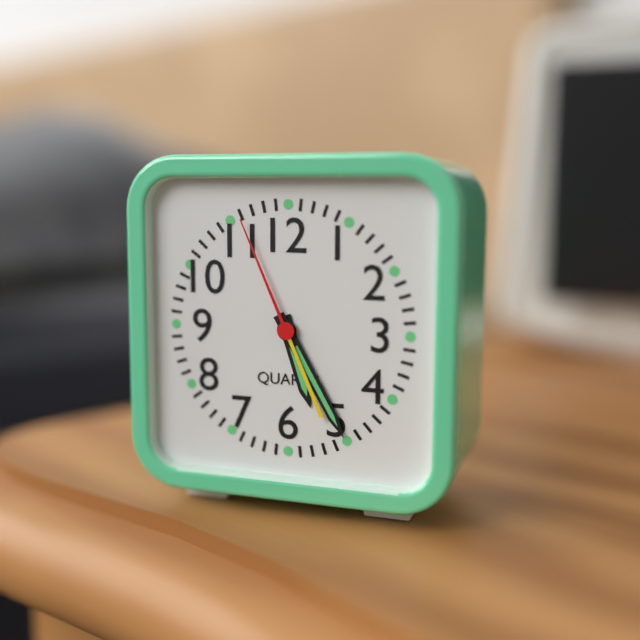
{"hour": 5, "minute": 25, "second": 56}
